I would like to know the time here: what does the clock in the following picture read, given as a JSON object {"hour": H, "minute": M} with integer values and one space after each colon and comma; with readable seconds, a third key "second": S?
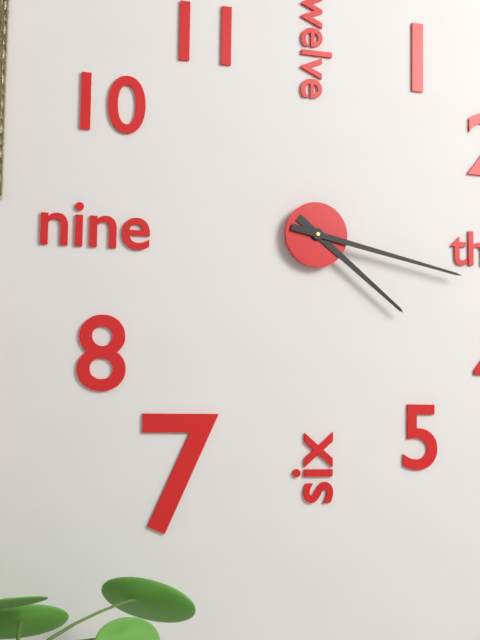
{"hour": 4, "minute": 17}
